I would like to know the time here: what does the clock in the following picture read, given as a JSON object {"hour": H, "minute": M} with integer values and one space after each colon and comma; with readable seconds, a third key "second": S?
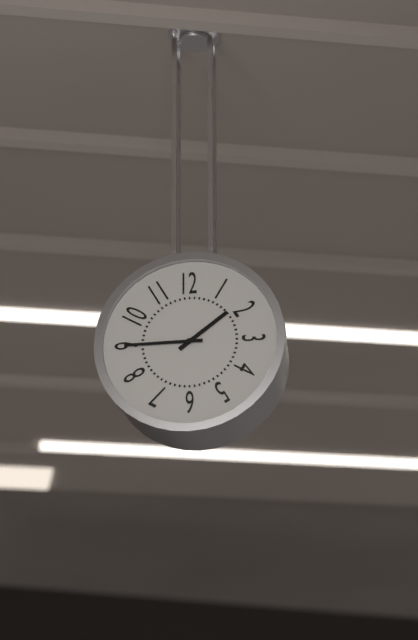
{"hour": 1, "minute": 45}
